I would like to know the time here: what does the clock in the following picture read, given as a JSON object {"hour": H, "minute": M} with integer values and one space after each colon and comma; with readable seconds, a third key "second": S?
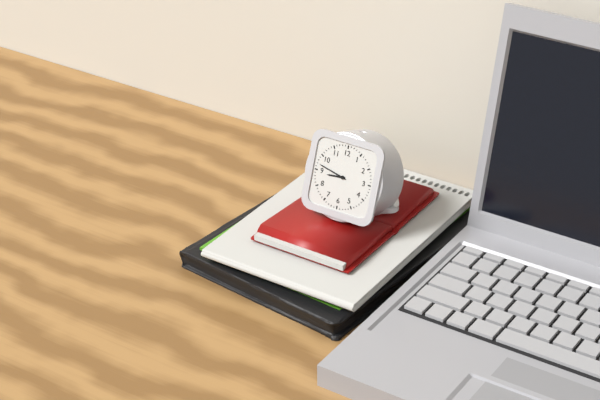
{"hour": 8, "minute": 47}
